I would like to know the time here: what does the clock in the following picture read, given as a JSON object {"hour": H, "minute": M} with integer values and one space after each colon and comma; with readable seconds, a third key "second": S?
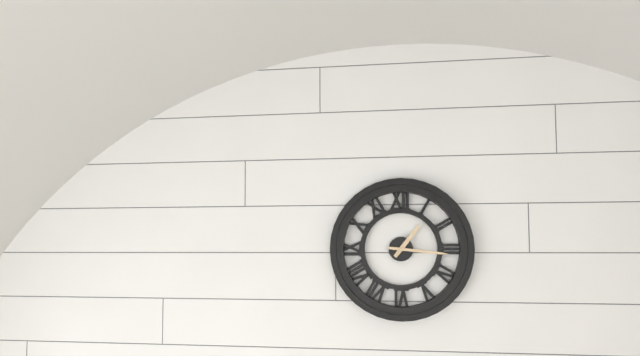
{"hour": 1, "minute": 16}
